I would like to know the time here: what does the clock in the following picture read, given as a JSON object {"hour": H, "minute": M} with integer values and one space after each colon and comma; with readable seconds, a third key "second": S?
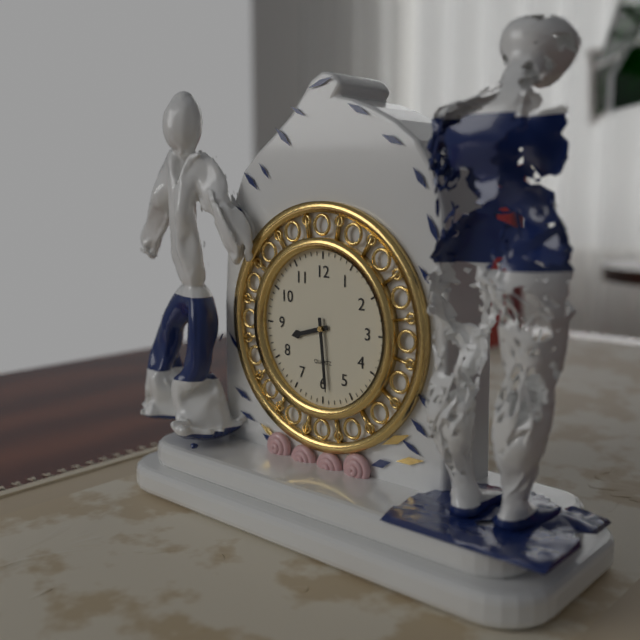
{"hour": 8, "minute": 29}
